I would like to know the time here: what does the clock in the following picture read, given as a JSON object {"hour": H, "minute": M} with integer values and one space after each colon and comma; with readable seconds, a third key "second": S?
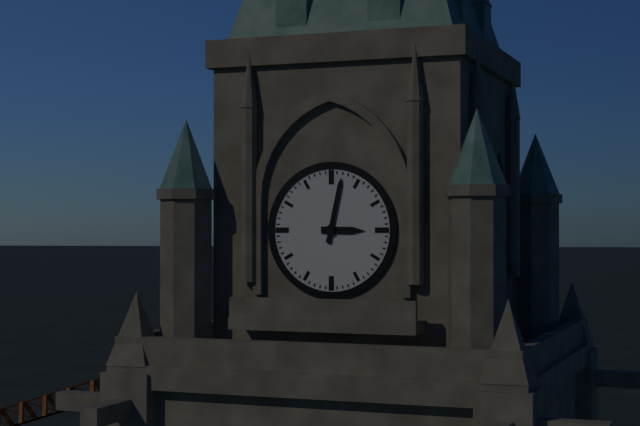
{"hour": 3, "minute": 2}
